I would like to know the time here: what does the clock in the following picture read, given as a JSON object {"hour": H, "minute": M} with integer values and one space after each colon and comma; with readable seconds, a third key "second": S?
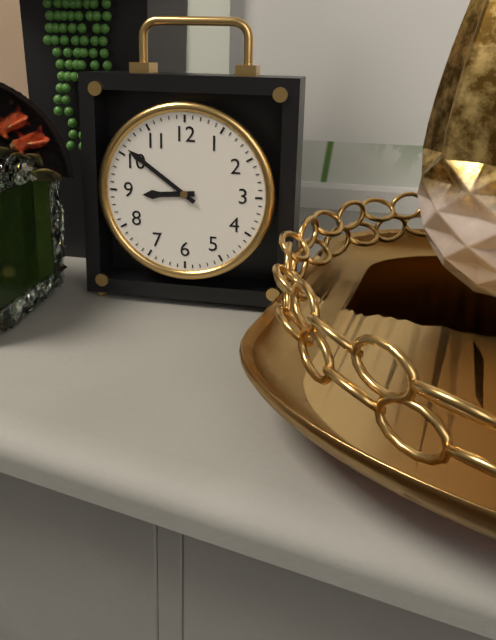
{"hour": 8, "minute": 51}
